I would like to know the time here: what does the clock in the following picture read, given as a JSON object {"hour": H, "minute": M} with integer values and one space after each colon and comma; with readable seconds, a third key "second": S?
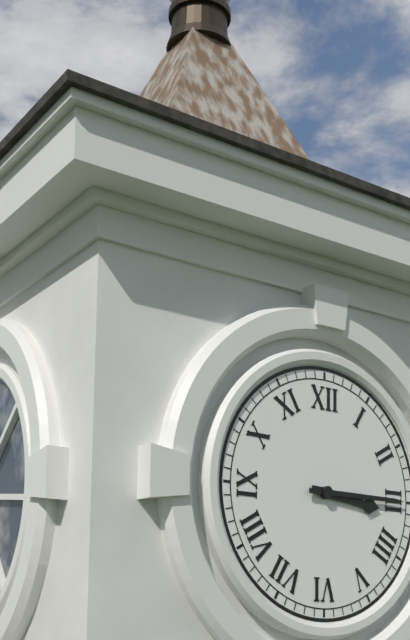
{"hour": 3, "minute": 15}
